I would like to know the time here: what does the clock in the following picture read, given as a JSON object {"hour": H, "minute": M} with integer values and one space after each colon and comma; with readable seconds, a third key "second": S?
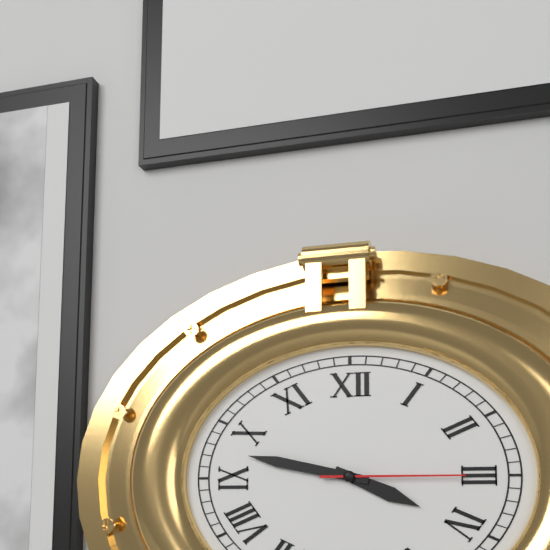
{"hour": 3, "minute": 47, "second": 15}
